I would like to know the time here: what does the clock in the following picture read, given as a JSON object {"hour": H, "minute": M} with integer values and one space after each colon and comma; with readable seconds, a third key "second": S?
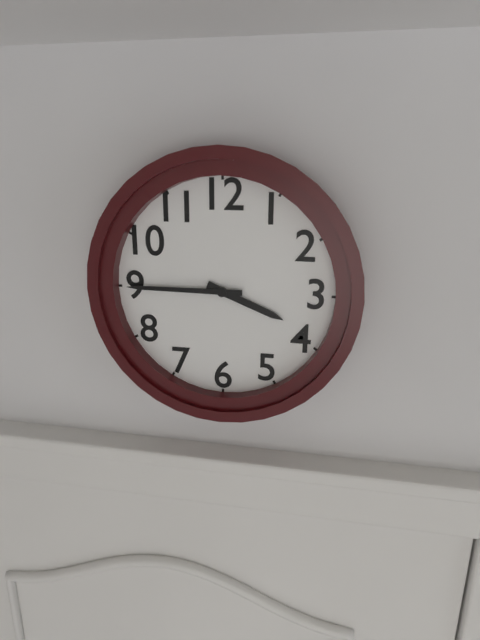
{"hour": 3, "minute": 45}
